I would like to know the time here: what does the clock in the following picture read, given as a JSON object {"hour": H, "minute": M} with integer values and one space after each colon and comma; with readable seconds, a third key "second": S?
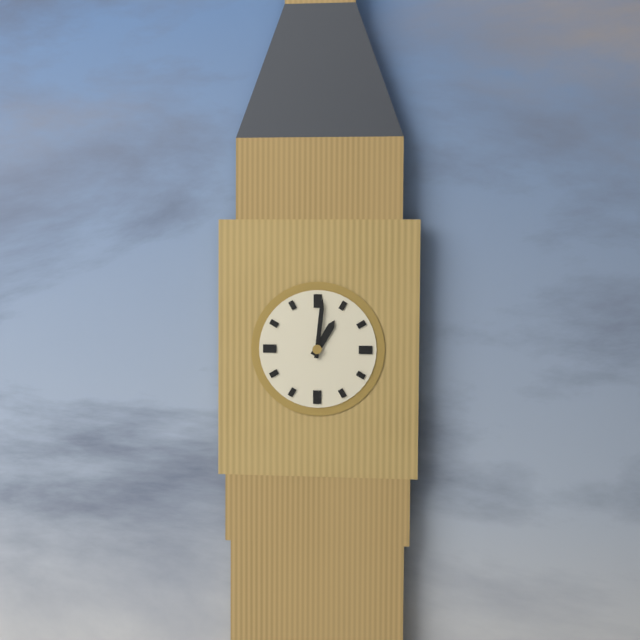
{"hour": 1, "minute": 1}
